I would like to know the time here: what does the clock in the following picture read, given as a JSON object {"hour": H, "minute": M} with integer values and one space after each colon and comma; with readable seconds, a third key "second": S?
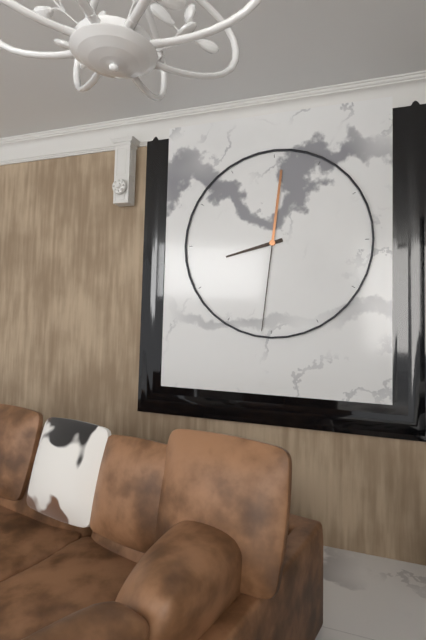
{"hour": 8, "minute": 31}
